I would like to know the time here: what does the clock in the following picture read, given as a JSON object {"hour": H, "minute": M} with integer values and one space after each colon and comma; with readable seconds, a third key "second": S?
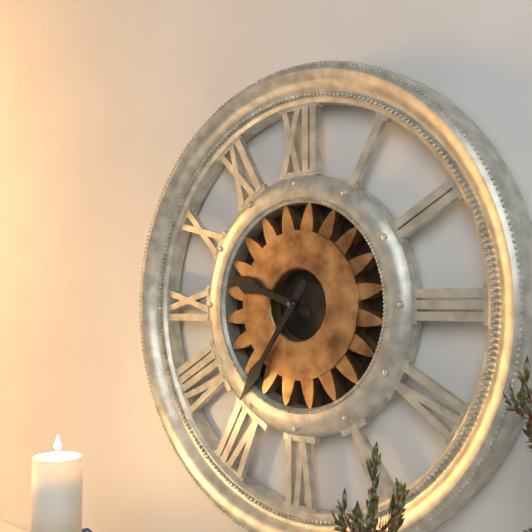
{"hour": 9, "minute": 36}
